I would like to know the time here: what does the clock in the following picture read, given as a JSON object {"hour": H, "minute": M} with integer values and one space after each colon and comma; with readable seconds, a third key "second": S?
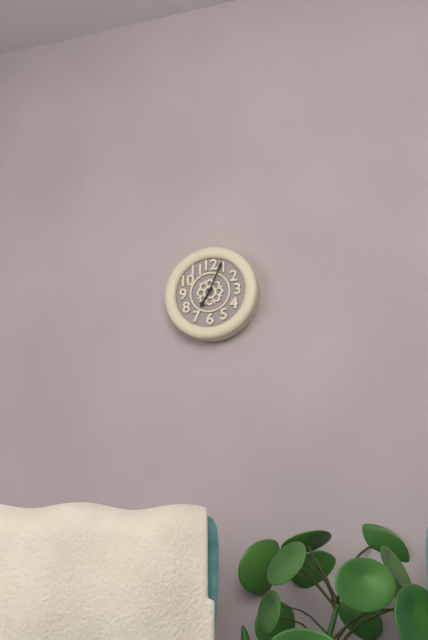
{"hour": 7, "minute": 4}
